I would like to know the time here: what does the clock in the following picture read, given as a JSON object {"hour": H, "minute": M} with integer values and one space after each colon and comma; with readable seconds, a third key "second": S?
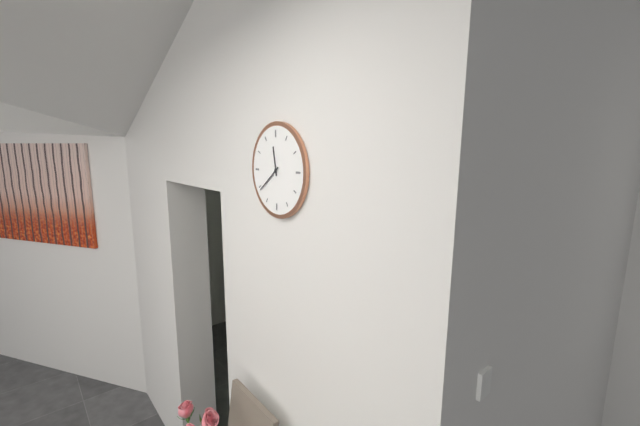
{"hour": 11, "minute": 39}
